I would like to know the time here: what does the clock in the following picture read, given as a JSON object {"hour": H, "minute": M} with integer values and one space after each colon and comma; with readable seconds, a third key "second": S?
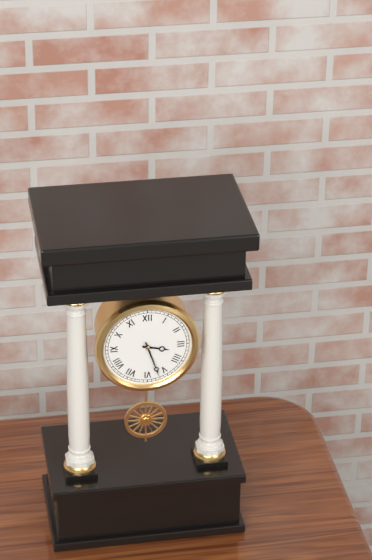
{"hour": 3, "minute": 27}
